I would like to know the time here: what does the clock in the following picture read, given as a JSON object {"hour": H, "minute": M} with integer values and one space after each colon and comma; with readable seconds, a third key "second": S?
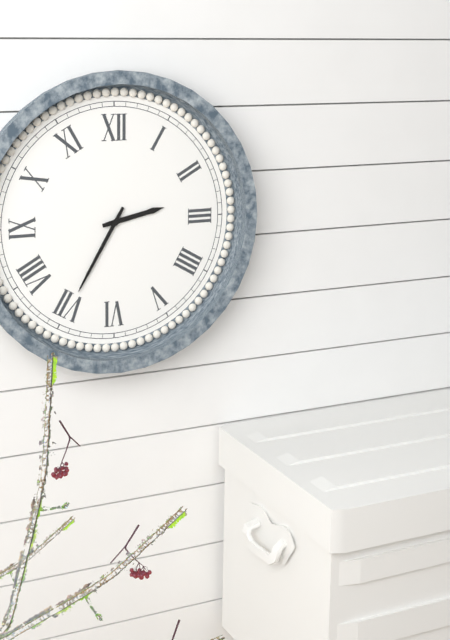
{"hour": 2, "minute": 35}
